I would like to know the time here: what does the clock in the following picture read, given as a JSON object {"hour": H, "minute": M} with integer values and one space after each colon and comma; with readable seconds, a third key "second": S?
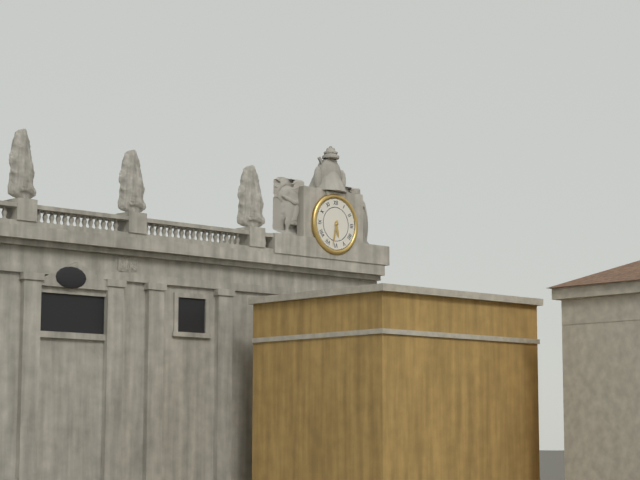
{"hour": 5, "minute": 32}
